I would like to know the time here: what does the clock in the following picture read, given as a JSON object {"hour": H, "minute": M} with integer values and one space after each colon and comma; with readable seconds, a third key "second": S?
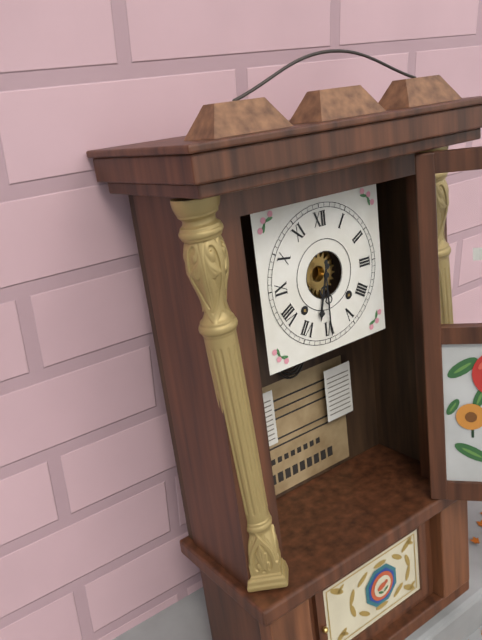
{"hour": 6, "minute": 30}
